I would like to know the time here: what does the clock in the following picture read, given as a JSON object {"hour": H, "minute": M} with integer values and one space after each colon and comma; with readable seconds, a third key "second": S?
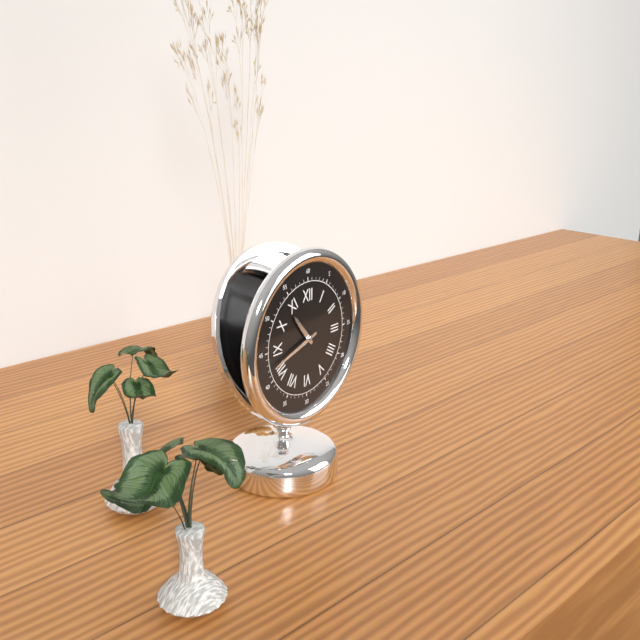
{"hour": 10, "minute": 42}
